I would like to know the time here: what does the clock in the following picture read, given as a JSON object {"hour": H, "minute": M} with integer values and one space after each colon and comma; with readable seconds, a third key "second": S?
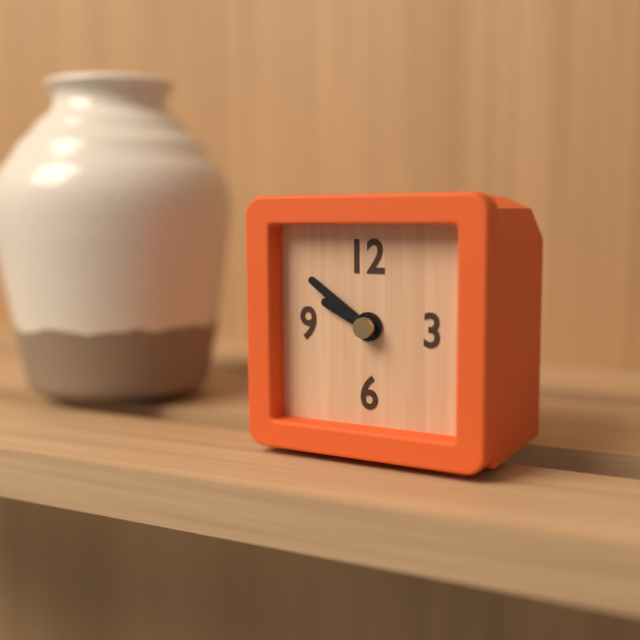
{"hour": 9, "minute": 51}
